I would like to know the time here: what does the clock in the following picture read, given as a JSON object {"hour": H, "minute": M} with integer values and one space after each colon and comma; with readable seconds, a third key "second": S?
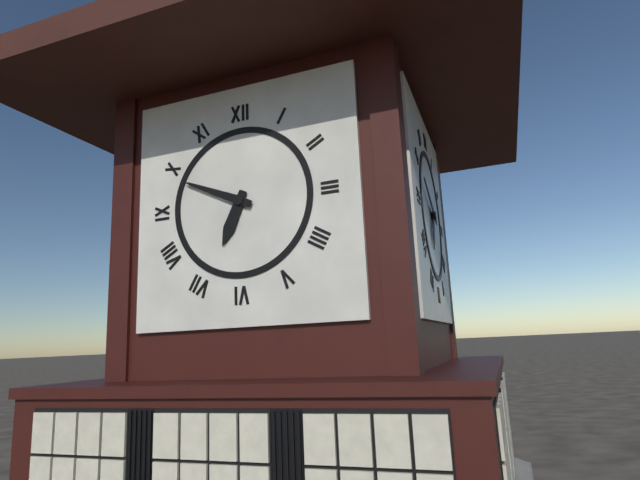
{"hour": 6, "minute": 49}
